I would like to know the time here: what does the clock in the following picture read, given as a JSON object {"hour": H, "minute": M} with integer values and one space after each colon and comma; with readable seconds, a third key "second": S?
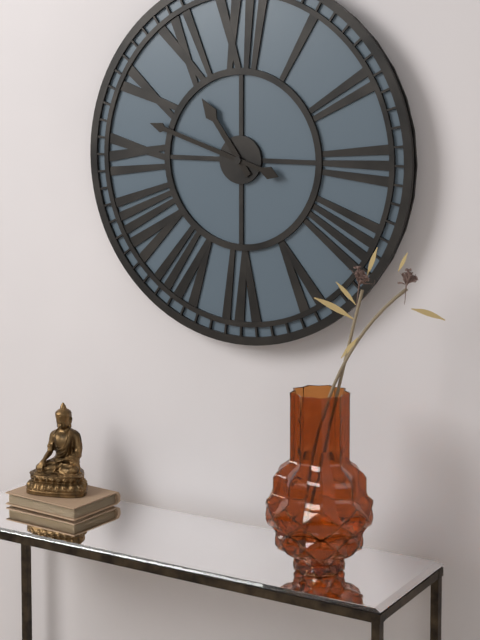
{"hour": 10, "minute": 48}
